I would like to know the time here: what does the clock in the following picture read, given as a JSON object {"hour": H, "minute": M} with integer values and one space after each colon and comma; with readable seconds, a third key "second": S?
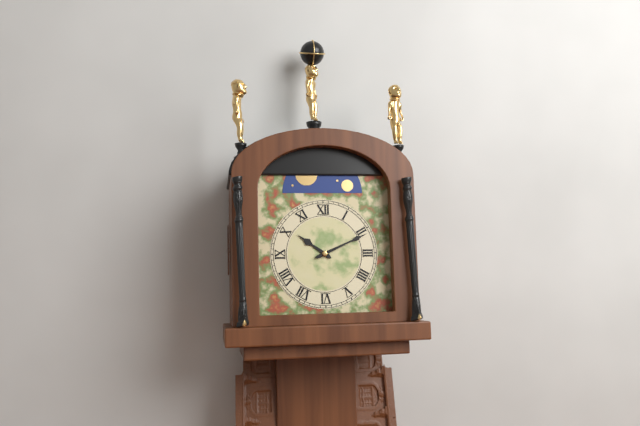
{"hour": 10, "minute": 11}
